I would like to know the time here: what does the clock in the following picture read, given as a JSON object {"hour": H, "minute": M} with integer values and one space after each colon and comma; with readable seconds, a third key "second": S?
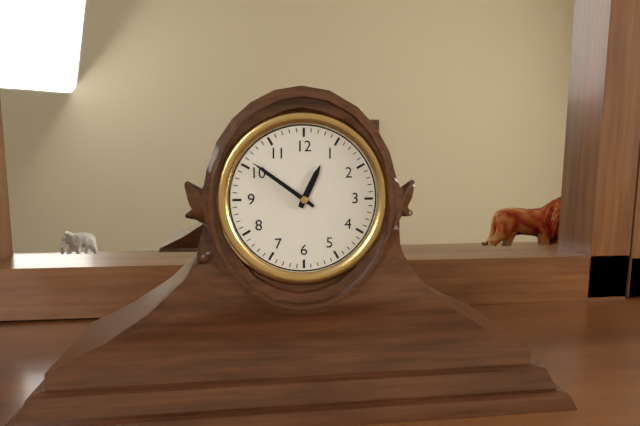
{"hour": 12, "minute": 51}
